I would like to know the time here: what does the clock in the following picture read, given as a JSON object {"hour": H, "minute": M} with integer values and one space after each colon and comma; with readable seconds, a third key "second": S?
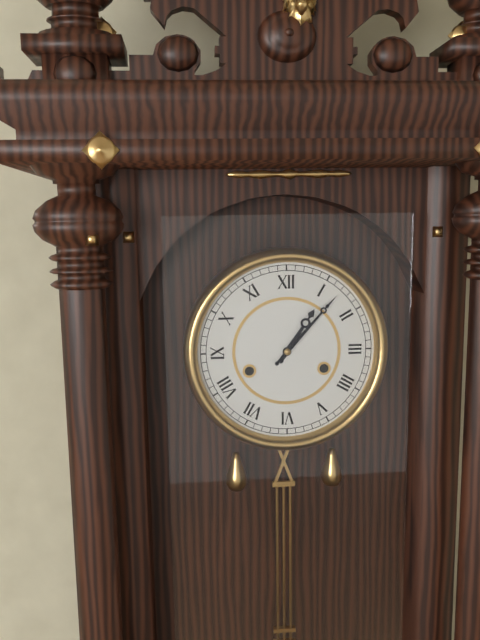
{"hour": 1, "minute": 7}
